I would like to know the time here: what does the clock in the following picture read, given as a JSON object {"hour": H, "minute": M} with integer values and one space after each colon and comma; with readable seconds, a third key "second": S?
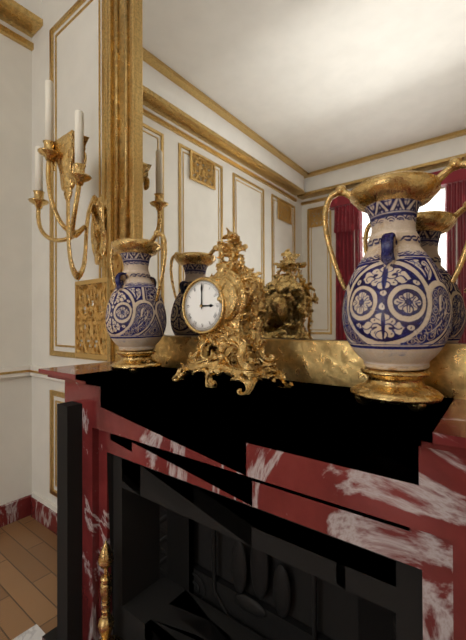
{"hour": 3, "minute": 0}
